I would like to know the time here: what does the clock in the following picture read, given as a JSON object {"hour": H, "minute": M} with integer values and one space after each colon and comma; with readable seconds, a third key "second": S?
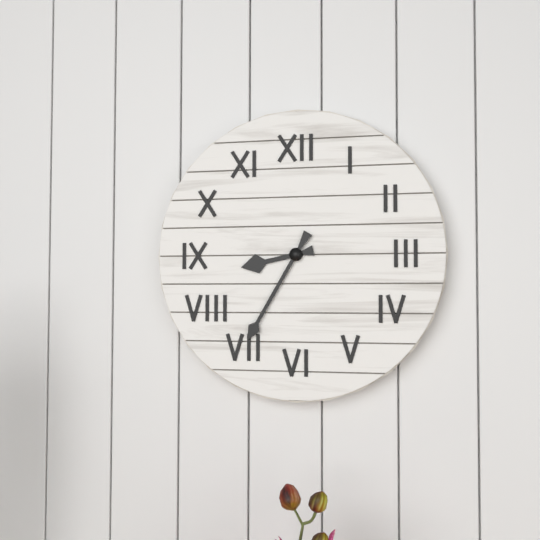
{"hour": 8, "minute": 35}
